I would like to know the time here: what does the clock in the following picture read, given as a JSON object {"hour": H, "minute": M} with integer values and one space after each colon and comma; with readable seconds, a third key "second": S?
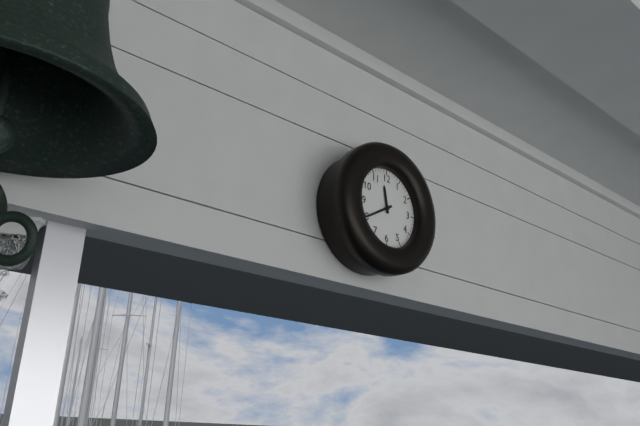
{"hour": 11, "minute": 40}
